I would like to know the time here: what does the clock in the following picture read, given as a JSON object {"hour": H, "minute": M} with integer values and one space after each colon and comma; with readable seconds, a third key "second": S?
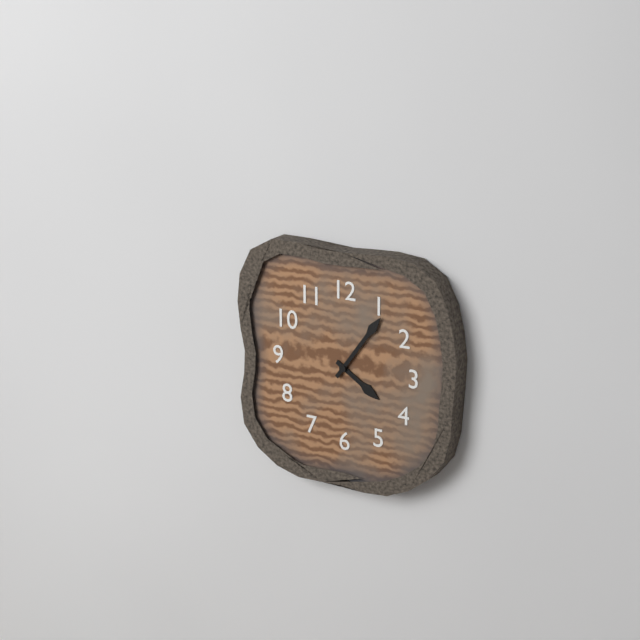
{"hour": 4, "minute": 6}
